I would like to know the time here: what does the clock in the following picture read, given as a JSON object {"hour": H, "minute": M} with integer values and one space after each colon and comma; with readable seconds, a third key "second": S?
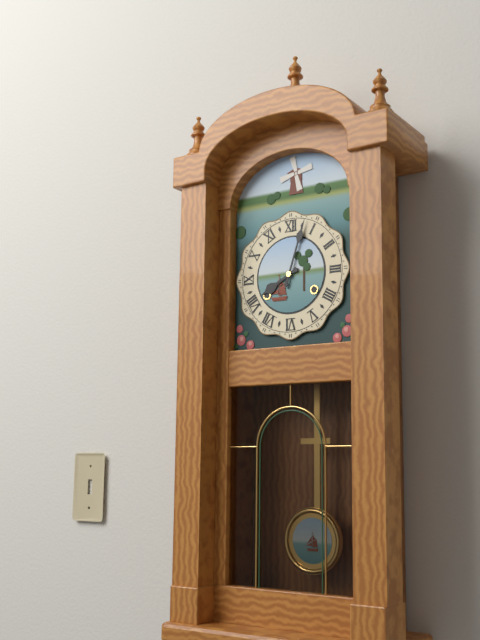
{"hour": 8, "minute": 3}
